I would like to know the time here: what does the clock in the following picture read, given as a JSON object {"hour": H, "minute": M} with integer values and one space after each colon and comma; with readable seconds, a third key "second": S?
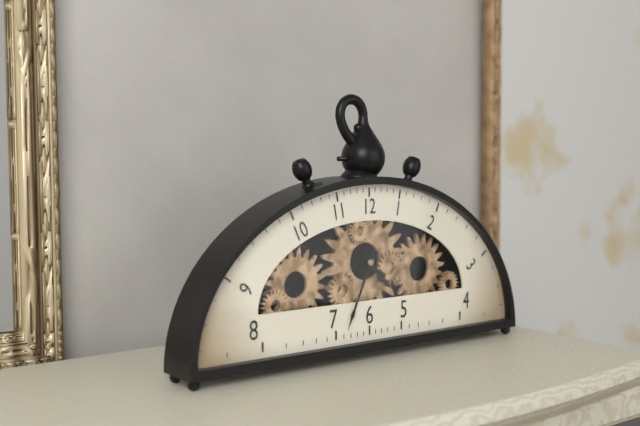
{"hour": 4, "minute": 34}
